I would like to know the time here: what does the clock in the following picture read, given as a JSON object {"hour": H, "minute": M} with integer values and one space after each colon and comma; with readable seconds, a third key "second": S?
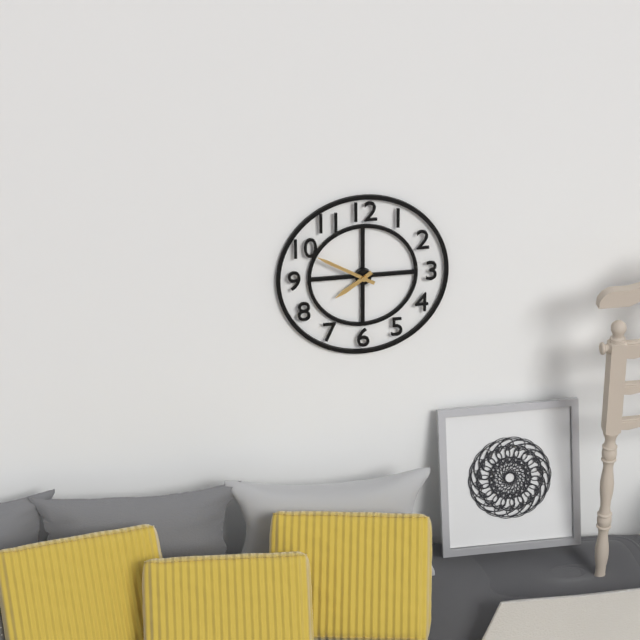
{"hour": 7, "minute": 50}
